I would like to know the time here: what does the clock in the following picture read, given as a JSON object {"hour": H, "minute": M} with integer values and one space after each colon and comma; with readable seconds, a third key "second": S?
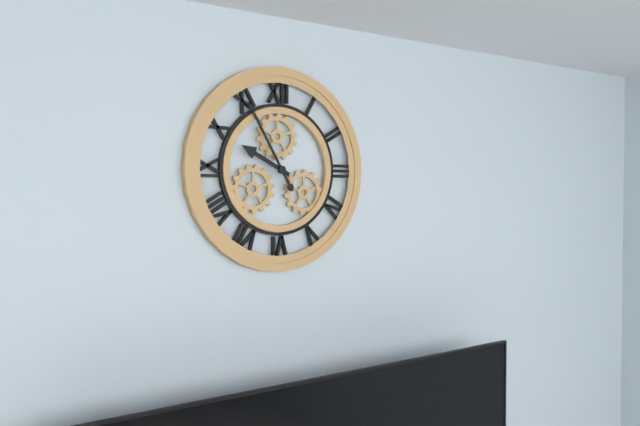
{"hour": 9, "minute": 55}
